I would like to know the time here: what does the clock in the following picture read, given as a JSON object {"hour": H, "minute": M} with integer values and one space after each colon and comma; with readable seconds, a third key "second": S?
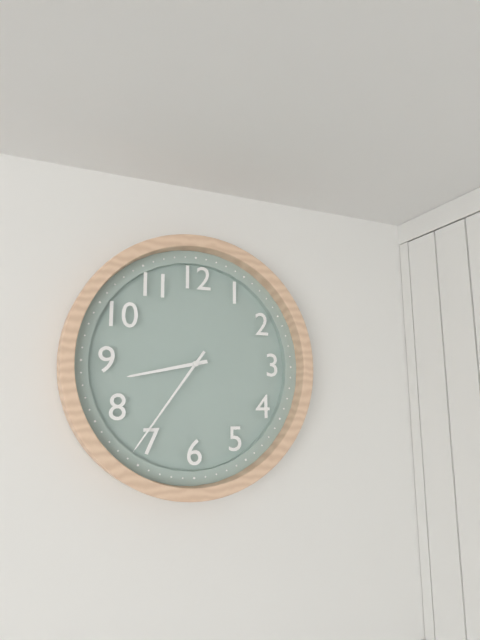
{"hour": 8, "minute": 36}
